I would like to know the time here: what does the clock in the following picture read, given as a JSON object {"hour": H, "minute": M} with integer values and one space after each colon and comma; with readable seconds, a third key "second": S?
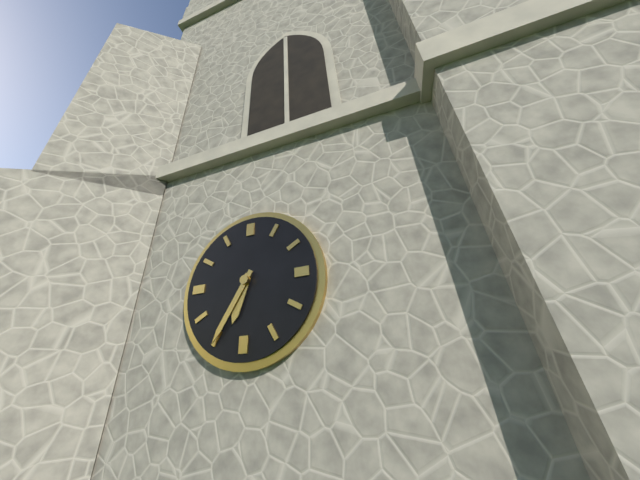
{"hour": 6, "minute": 35}
